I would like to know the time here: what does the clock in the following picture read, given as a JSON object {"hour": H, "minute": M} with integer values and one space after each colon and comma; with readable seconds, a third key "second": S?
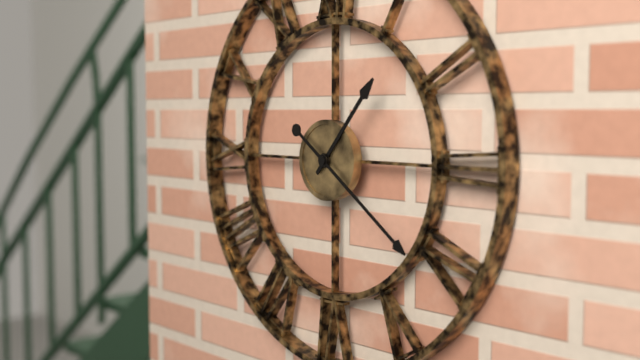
{"hour": 1, "minute": 21}
